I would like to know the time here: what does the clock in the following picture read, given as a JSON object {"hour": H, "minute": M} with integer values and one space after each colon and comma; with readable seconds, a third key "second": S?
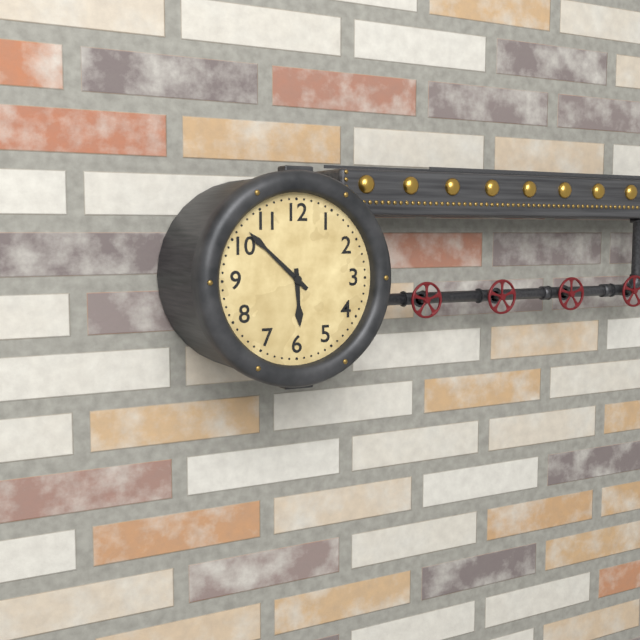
{"hour": 5, "minute": 52}
